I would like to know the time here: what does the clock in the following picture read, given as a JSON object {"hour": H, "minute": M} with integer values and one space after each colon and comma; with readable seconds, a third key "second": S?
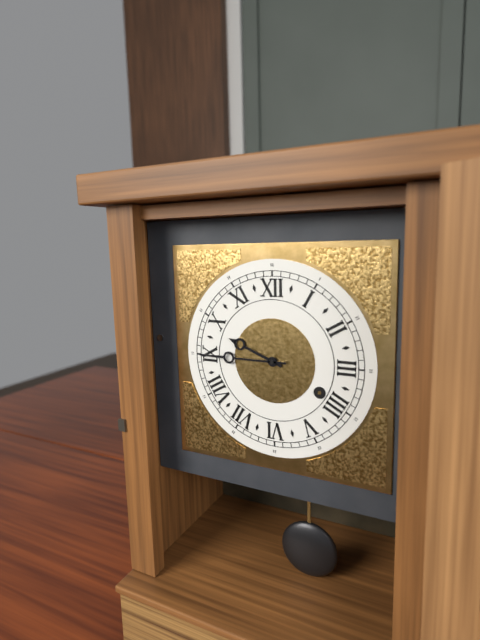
{"hour": 9, "minute": 45}
